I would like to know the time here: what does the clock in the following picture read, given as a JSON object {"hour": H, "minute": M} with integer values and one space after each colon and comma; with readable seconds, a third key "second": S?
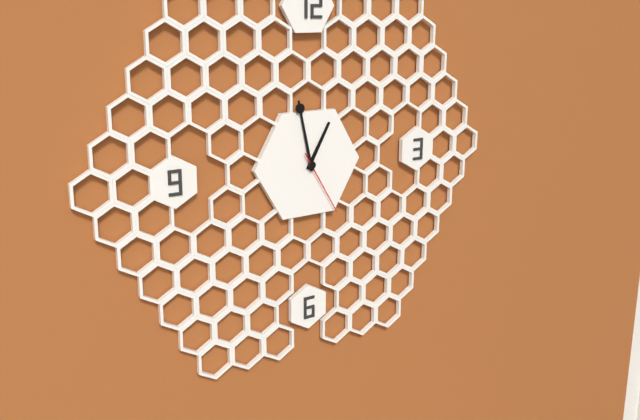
{"hour": 12, "minute": 58, "second": 25}
